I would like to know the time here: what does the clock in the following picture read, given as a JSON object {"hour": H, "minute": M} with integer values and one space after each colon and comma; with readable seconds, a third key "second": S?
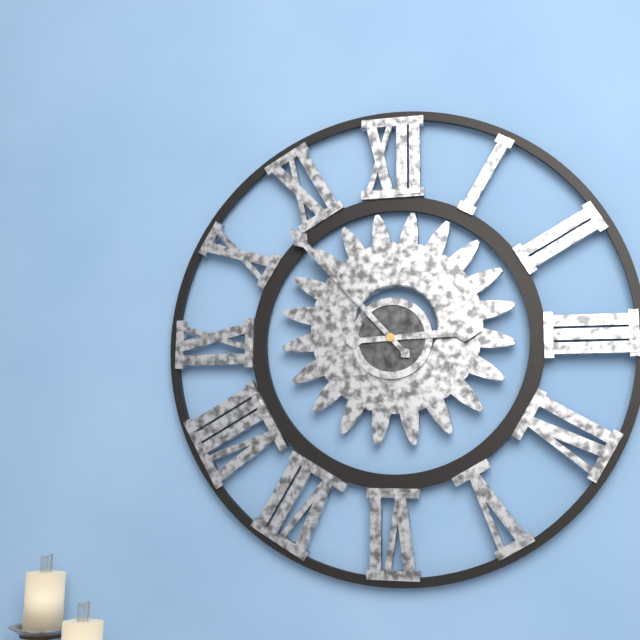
{"hour": 2, "minute": 53}
